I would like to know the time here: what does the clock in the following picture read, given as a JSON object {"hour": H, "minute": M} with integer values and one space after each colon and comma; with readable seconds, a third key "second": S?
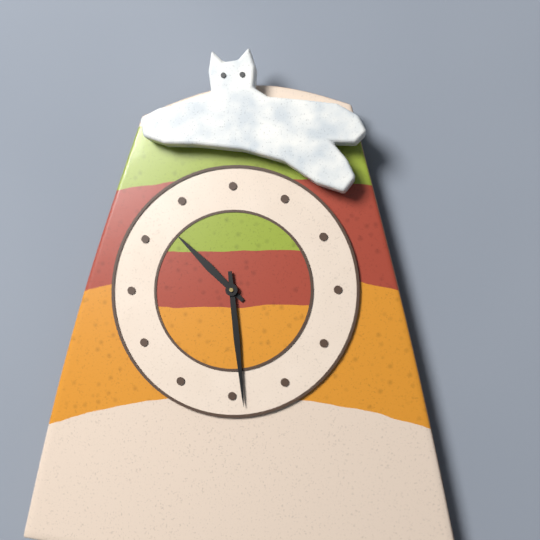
{"hour": 10, "minute": 29}
